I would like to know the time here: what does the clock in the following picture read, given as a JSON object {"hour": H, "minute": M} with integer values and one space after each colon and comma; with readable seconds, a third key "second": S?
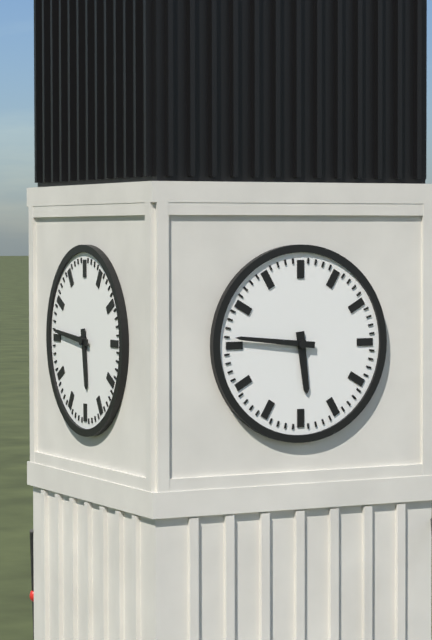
{"hour": 5, "minute": 46}
